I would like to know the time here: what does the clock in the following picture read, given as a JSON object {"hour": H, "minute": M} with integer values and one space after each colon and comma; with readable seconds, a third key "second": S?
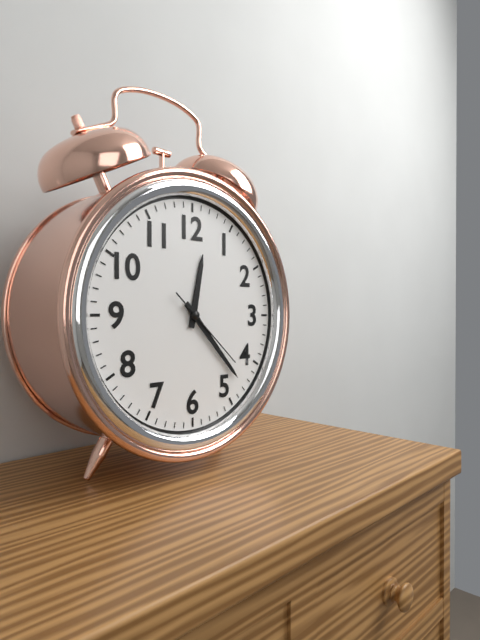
{"hour": 12, "minute": 23, "second": 22}
